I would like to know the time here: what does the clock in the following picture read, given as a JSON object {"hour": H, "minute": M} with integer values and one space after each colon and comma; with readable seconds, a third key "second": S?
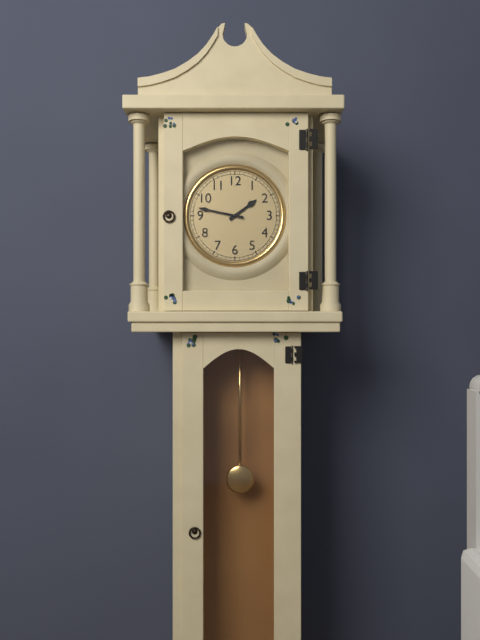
{"hour": 1, "minute": 47}
